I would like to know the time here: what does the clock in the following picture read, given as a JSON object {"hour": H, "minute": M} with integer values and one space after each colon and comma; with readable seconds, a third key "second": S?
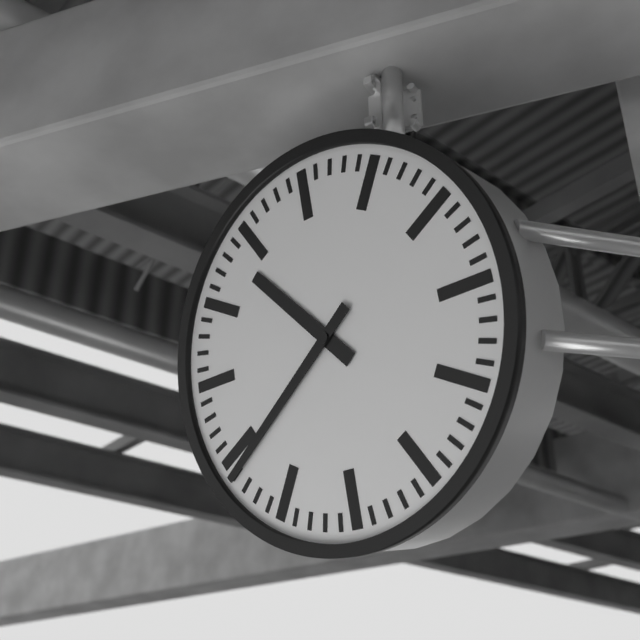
{"hour": 10, "minute": 39}
